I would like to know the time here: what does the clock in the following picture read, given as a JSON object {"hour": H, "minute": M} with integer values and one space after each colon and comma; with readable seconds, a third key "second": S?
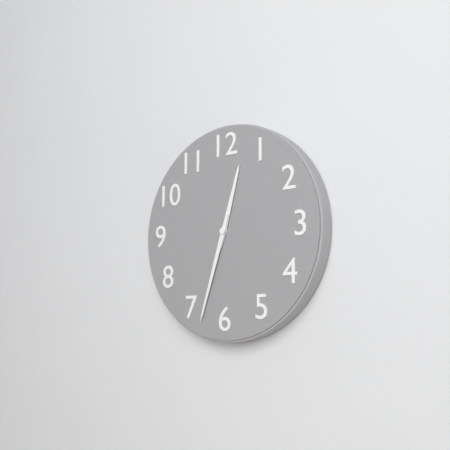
{"hour": 12, "minute": 33}
